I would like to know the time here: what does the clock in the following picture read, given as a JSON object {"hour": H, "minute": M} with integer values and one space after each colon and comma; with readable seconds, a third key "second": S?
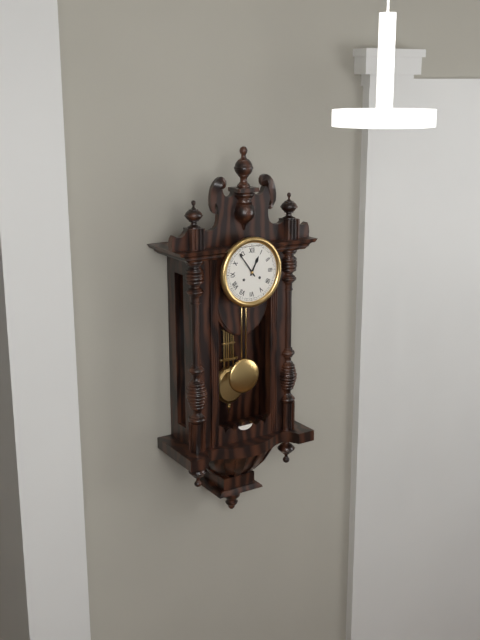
{"hour": 12, "minute": 54}
